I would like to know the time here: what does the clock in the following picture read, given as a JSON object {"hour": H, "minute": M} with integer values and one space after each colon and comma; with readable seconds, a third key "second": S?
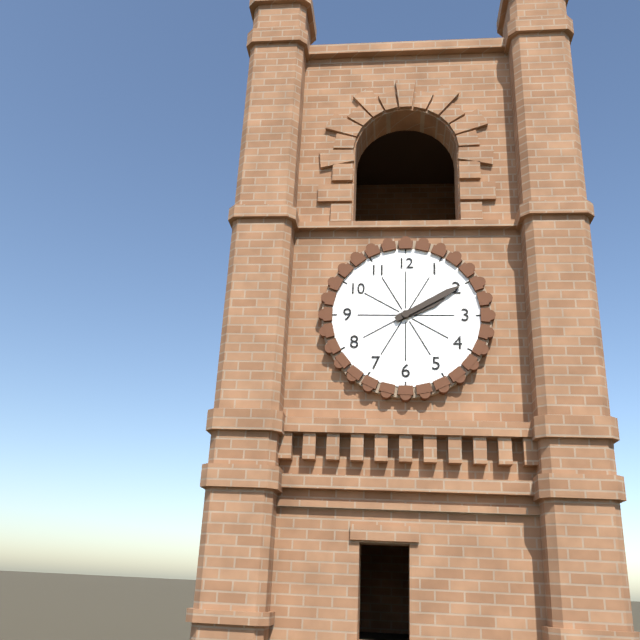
{"hour": 2, "minute": 10}
